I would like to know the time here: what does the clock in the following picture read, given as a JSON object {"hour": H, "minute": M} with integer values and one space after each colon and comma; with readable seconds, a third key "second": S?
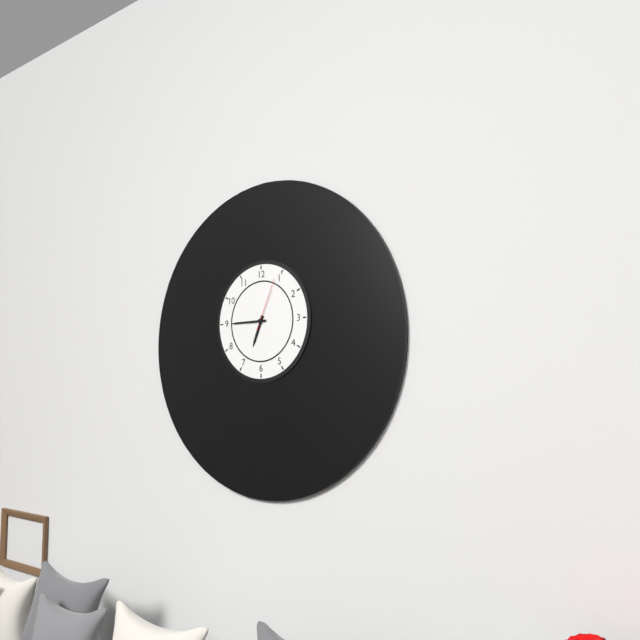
{"hour": 6, "minute": 45, "second": 4}
